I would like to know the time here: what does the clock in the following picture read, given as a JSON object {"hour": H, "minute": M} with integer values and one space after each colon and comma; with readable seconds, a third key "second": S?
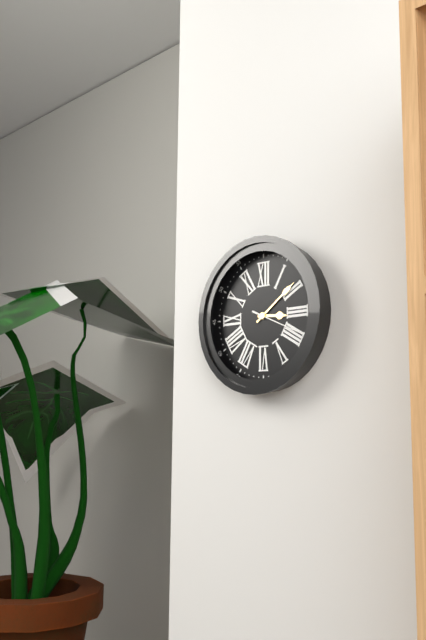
{"hour": 3, "minute": 9, "second": 19}
